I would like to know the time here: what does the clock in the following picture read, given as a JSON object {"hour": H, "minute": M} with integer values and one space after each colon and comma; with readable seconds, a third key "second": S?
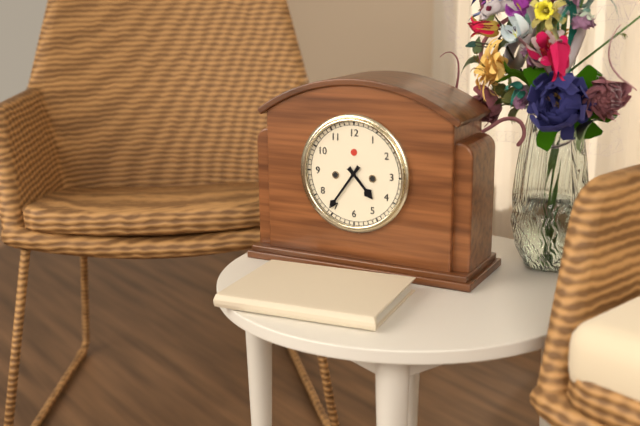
{"hour": 4, "minute": 36}
